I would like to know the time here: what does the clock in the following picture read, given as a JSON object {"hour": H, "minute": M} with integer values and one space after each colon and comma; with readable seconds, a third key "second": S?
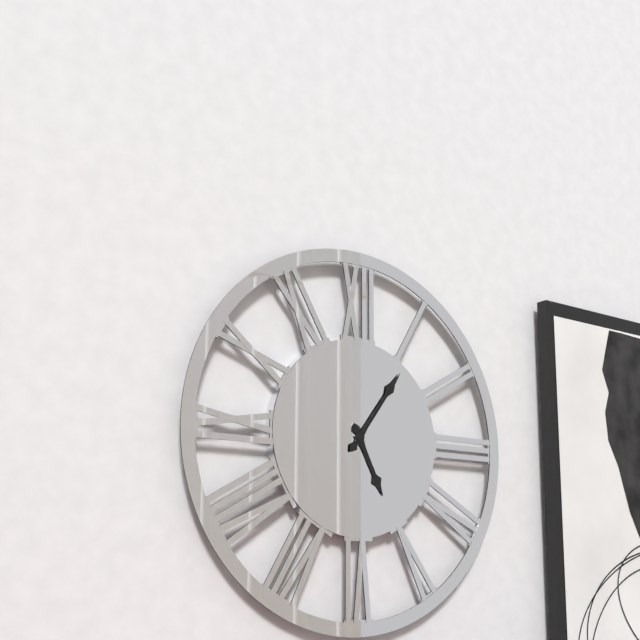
{"hour": 5, "minute": 6}
